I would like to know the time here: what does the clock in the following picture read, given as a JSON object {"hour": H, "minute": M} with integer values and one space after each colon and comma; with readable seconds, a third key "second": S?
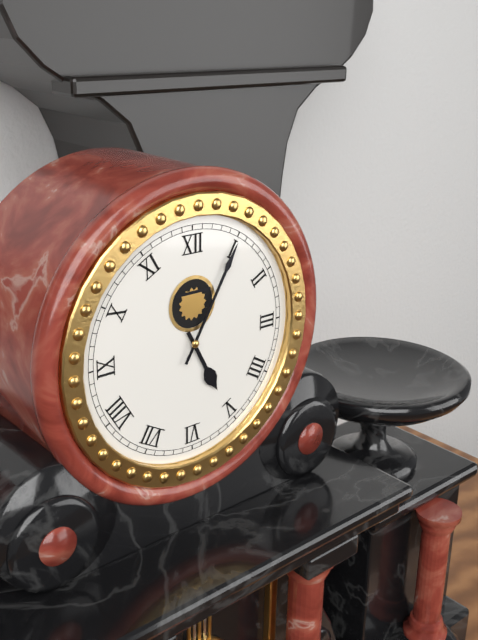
{"hour": 5, "minute": 5}
